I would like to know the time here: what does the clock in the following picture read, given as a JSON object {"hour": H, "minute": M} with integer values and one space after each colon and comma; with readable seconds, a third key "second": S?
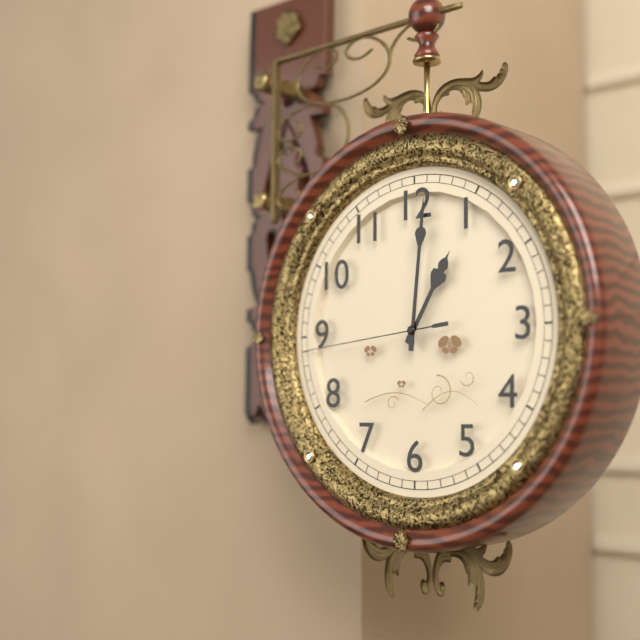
{"hour": 1, "minute": 1, "second": 44}
